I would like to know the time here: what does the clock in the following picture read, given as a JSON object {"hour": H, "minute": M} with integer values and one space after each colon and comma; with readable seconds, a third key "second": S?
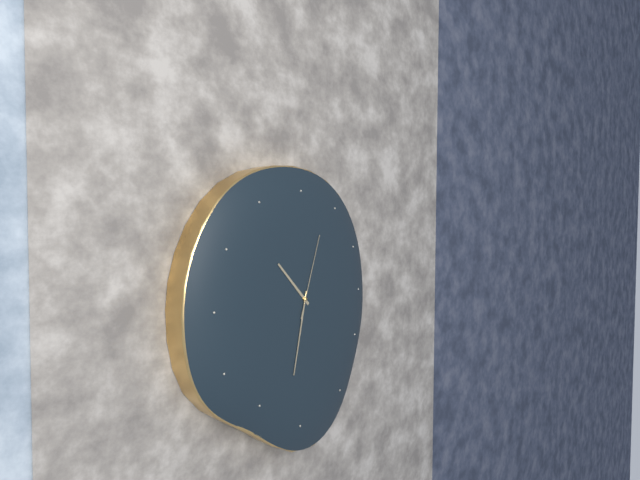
{"hour": 10, "minute": 32, "second": 3}
